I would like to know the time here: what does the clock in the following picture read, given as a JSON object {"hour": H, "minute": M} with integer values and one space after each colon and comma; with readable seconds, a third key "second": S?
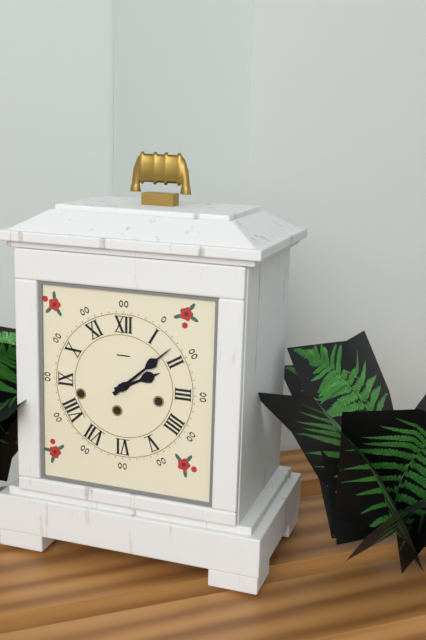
{"hour": 2, "minute": 8}
